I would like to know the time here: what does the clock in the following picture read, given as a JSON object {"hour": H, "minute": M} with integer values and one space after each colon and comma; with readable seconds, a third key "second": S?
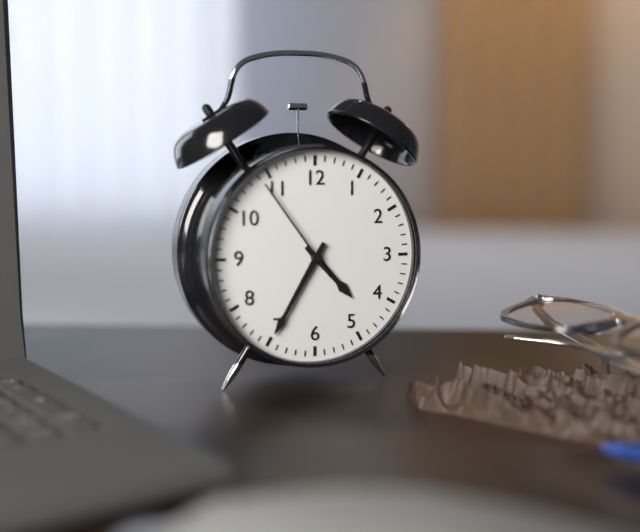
{"hour": 4, "minute": 35, "second": 54}
